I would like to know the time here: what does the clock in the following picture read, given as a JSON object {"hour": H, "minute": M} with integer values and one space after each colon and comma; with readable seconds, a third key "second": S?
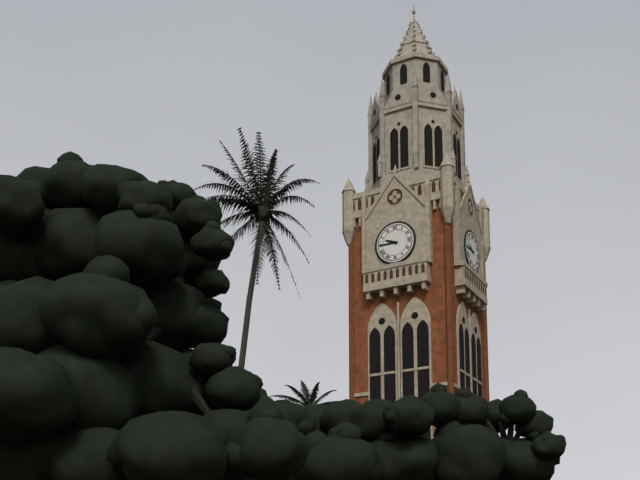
{"hour": 9, "minute": 45}
